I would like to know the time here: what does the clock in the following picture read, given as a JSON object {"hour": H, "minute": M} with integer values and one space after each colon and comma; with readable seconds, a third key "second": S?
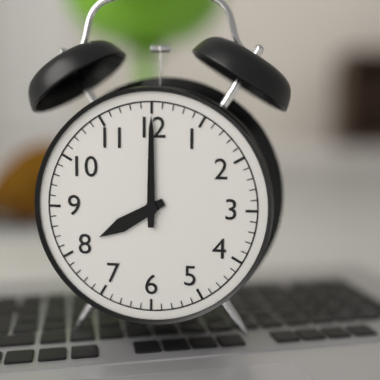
{"hour": 8, "minute": 0}
